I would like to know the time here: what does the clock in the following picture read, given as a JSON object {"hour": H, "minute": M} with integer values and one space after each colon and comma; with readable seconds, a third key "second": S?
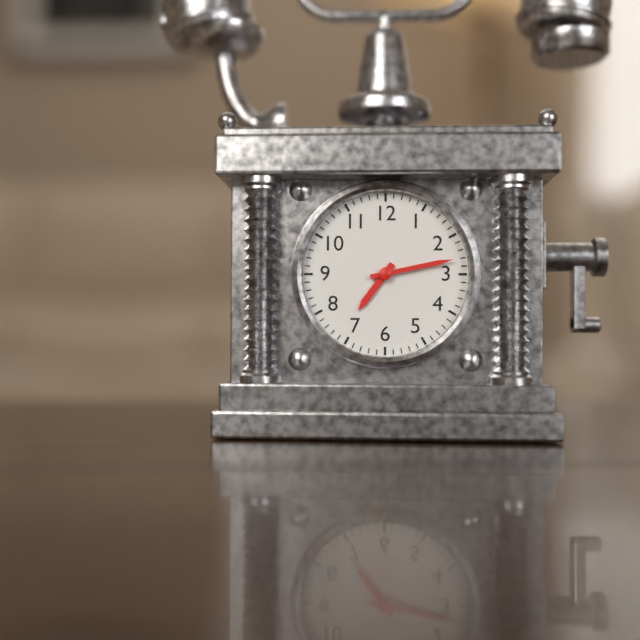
{"hour": 7, "minute": 13}
